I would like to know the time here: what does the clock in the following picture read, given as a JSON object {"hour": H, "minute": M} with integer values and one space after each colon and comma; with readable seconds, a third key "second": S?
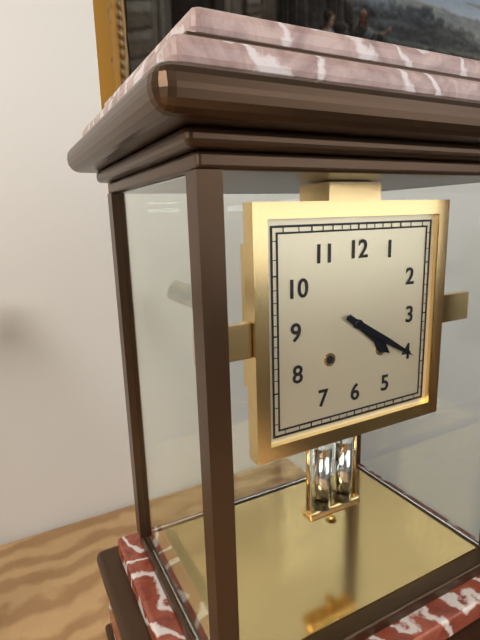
{"hour": 4, "minute": 20}
